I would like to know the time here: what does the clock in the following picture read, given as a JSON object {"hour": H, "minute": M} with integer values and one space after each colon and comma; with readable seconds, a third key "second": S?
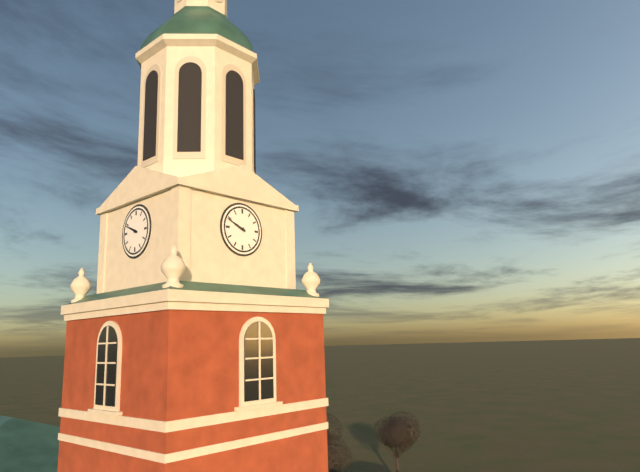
{"hour": 9, "minute": 49}
